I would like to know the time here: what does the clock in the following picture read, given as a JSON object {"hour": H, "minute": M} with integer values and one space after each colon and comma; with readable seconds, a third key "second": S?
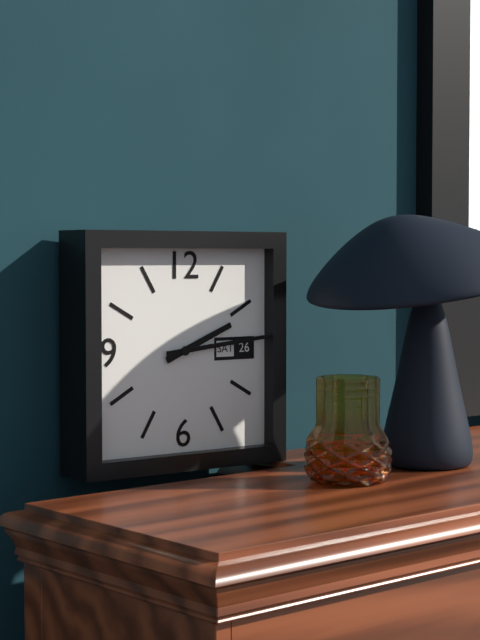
{"hour": 2, "minute": 14}
